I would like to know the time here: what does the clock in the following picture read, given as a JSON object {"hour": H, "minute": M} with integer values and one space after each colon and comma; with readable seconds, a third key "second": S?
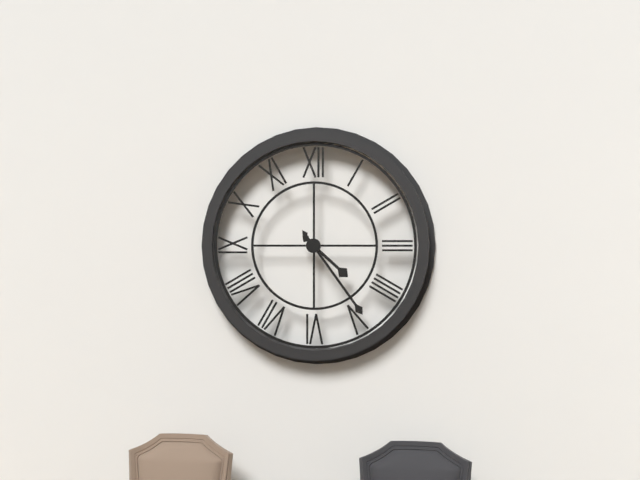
{"hour": 4, "minute": 24}
